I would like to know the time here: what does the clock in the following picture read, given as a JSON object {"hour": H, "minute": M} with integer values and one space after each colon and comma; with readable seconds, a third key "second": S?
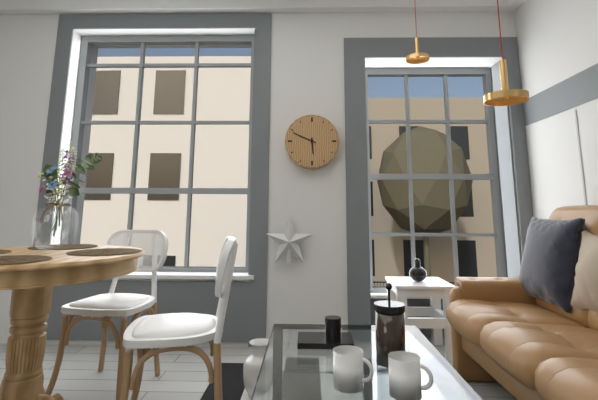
{"hour": 5, "minute": 49}
